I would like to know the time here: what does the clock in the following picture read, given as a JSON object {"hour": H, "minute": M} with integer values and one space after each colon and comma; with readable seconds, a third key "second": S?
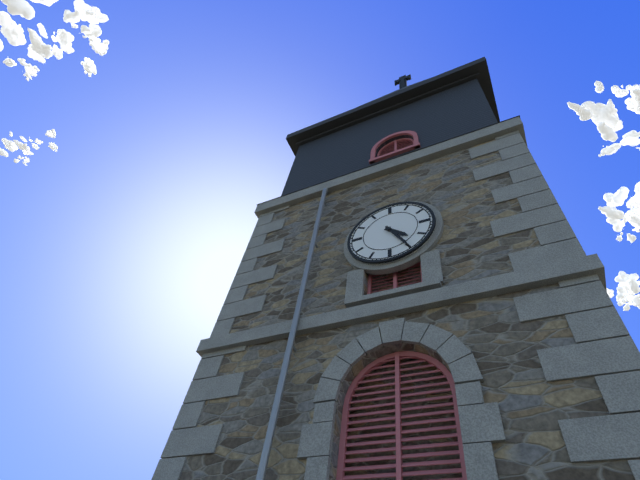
{"hour": 4, "minute": 25}
